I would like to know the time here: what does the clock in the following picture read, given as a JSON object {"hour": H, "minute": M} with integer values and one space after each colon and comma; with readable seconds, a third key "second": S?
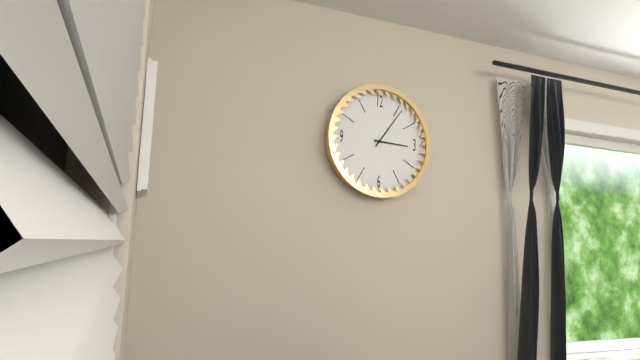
{"hour": 3, "minute": 6}
